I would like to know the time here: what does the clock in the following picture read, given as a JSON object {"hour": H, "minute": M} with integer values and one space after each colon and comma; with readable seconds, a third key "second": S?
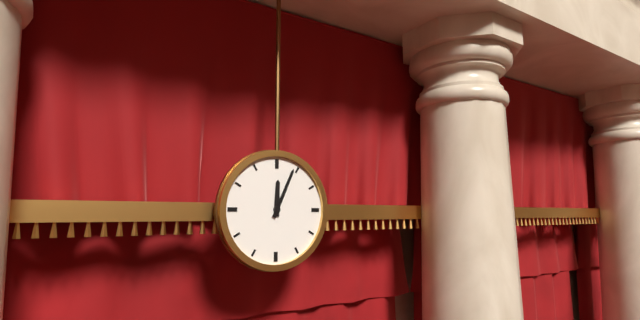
{"hour": 12, "minute": 4}
